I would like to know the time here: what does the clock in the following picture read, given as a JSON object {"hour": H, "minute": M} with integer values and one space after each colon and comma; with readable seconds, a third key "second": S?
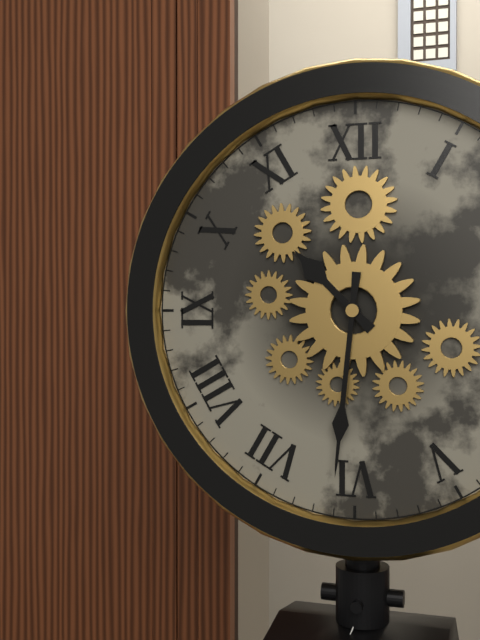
{"hour": 10, "minute": 31}
